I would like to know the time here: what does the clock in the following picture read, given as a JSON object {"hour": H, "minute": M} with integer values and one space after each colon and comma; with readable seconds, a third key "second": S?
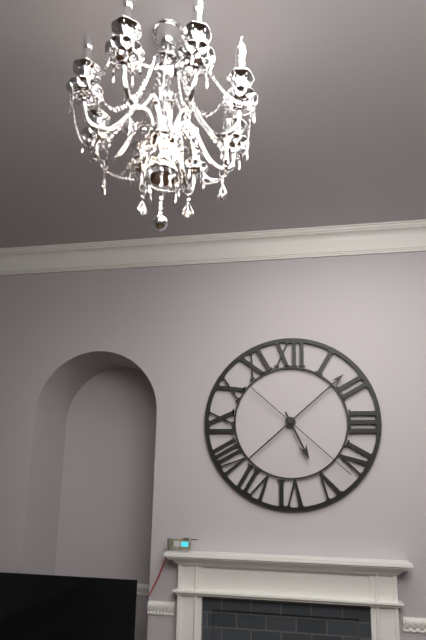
{"hour": 5, "minute": 8, "second": 22}
